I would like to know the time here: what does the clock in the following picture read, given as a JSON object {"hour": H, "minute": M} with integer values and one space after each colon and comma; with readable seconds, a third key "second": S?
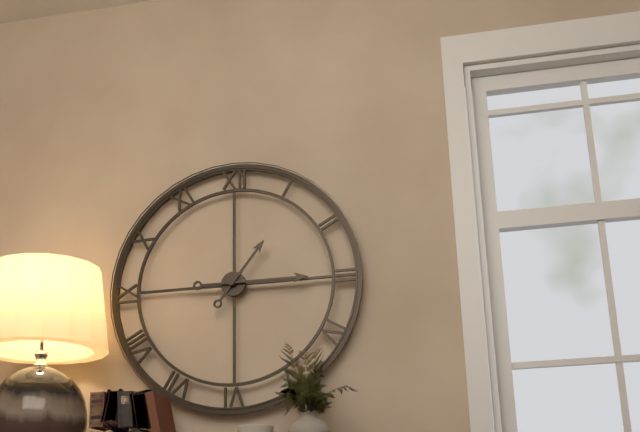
{"hour": 1, "minute": 15}
